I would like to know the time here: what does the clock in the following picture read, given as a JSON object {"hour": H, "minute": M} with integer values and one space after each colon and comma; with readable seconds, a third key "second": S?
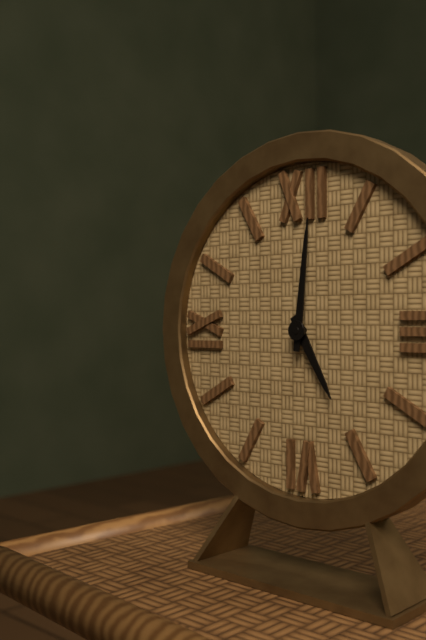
{"hour": 5, "minute": 1}
